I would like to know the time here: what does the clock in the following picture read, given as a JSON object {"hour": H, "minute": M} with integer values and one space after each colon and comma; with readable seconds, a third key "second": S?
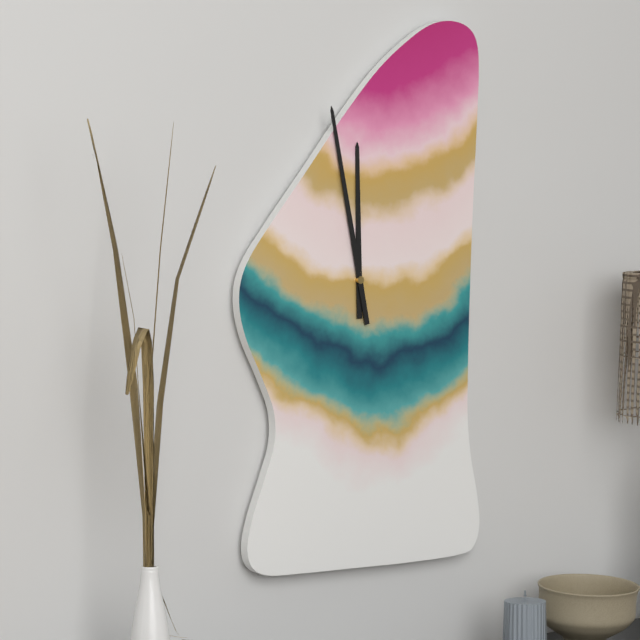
{"hour": 11, "minute": 58}
